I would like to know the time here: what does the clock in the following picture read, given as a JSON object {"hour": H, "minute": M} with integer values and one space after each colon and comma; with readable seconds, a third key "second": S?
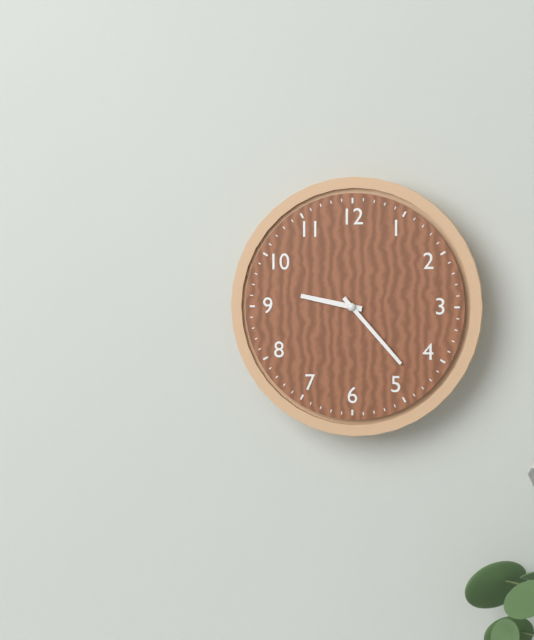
{"hour": 9, "minute": 23}
